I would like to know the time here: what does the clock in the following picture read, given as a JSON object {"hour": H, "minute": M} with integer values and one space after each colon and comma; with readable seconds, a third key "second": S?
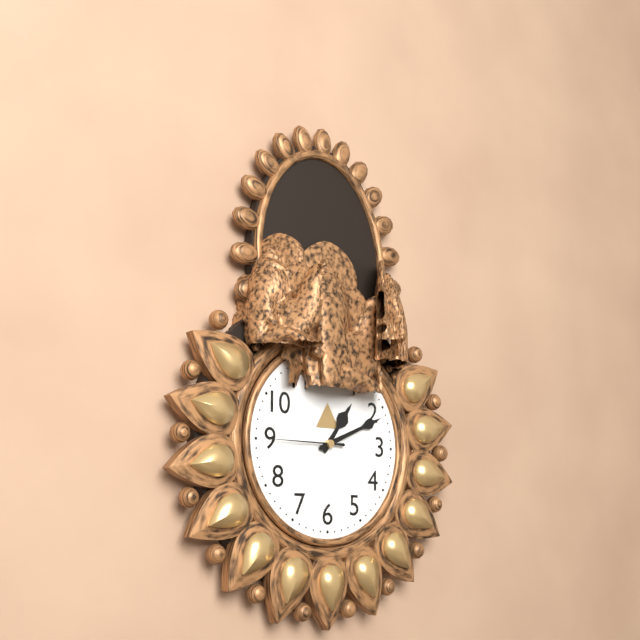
{"hour": 1, "minute": 11, "second": 45}
